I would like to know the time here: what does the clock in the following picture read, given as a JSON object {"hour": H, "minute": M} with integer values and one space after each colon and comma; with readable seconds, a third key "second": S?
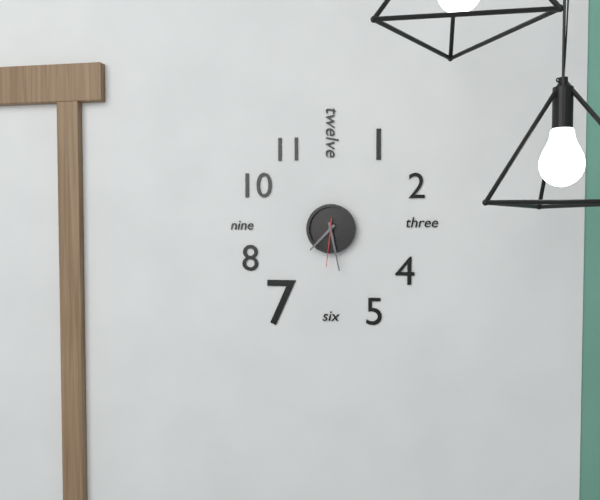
{"hour": 7, "minute": 28}
